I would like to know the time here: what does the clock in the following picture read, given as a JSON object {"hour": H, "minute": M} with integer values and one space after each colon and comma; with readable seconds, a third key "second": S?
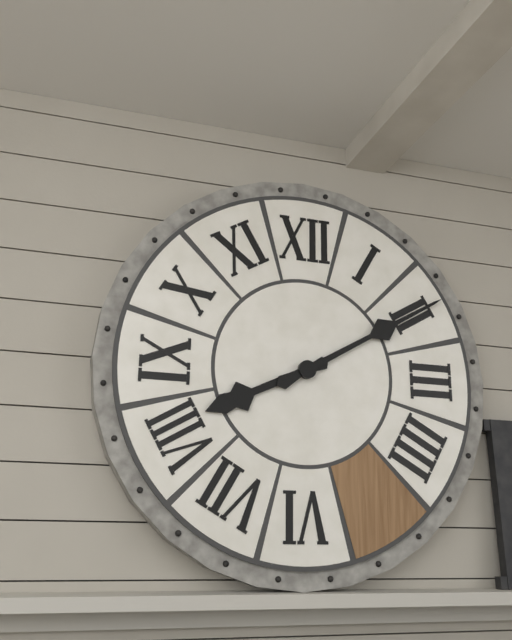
{"hour": 8, "minute": 10}
